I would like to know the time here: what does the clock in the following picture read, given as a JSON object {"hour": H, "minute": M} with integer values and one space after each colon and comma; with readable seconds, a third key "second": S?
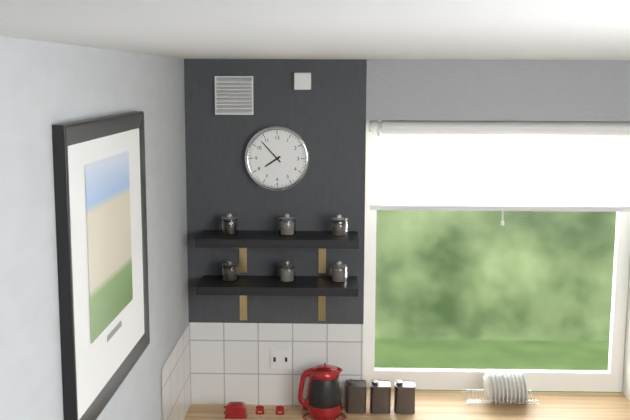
{"hour": 7, "minute": 53}
